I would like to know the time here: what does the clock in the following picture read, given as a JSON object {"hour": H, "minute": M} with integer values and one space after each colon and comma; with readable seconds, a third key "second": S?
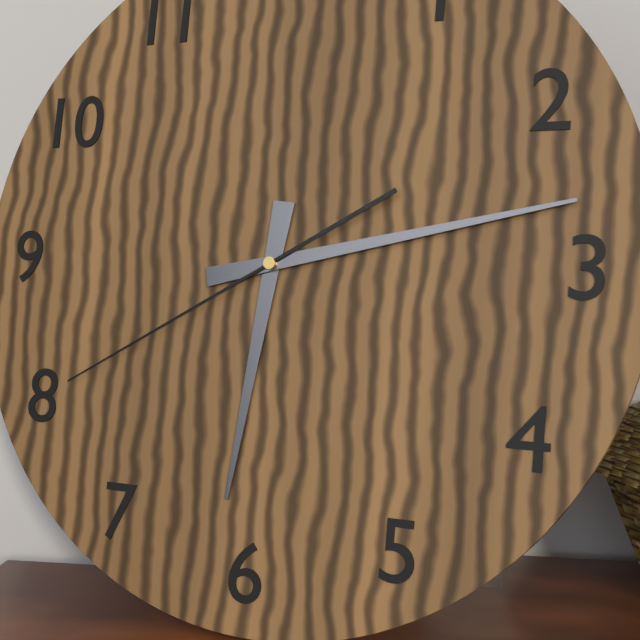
{"hour": 6, "minute": 13, "second": 40}
